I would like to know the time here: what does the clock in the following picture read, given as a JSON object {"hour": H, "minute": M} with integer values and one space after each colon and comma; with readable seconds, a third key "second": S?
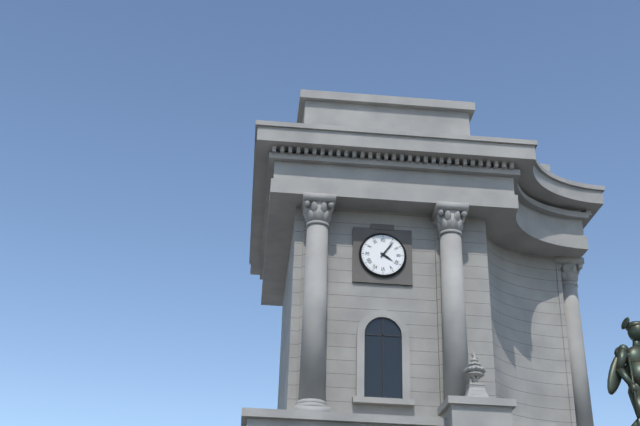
{"hour": 4, "minute": 6}
